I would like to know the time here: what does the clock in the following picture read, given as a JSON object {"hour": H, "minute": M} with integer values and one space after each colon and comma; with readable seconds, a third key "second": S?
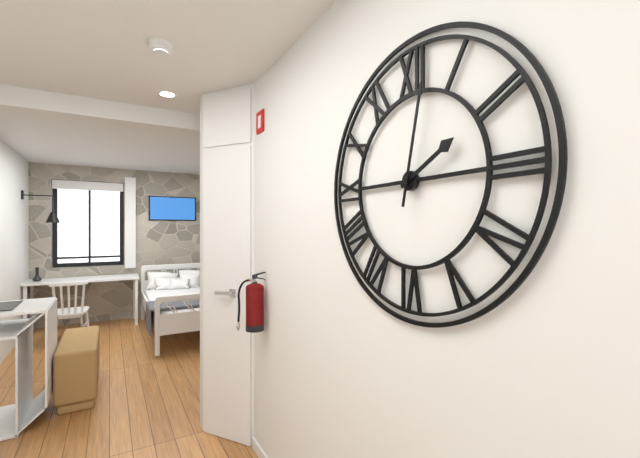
{"hour": 2, "minute": 2}
